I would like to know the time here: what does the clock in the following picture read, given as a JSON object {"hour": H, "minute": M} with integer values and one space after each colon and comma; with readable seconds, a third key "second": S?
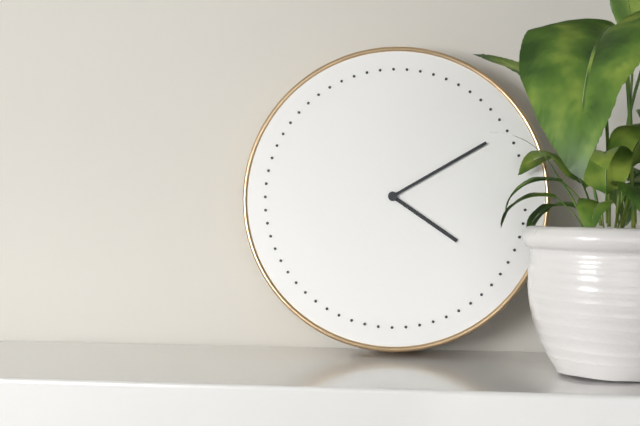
{"hour": 4, "minute": 10}
